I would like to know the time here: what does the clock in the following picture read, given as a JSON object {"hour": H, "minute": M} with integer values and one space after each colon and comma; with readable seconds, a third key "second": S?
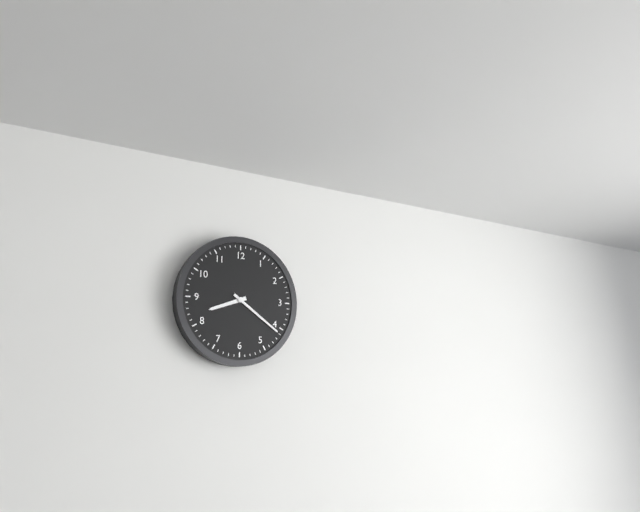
{"hour": 8, "minute": 21}
